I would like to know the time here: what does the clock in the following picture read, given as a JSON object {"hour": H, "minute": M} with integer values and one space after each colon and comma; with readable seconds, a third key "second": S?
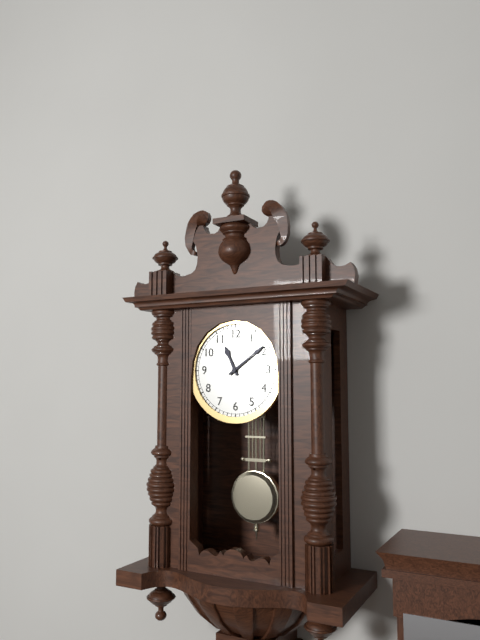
{"hour": 11, "minute": 9}
